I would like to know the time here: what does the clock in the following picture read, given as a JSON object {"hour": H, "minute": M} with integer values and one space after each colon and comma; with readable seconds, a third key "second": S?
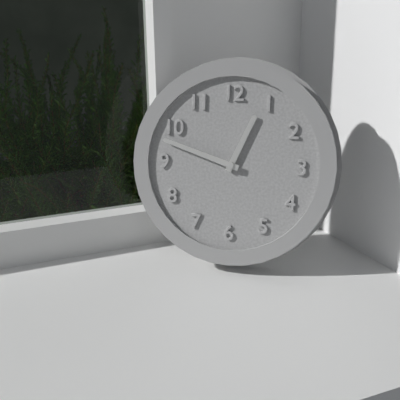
{"hour": 12, "minute": 48}
